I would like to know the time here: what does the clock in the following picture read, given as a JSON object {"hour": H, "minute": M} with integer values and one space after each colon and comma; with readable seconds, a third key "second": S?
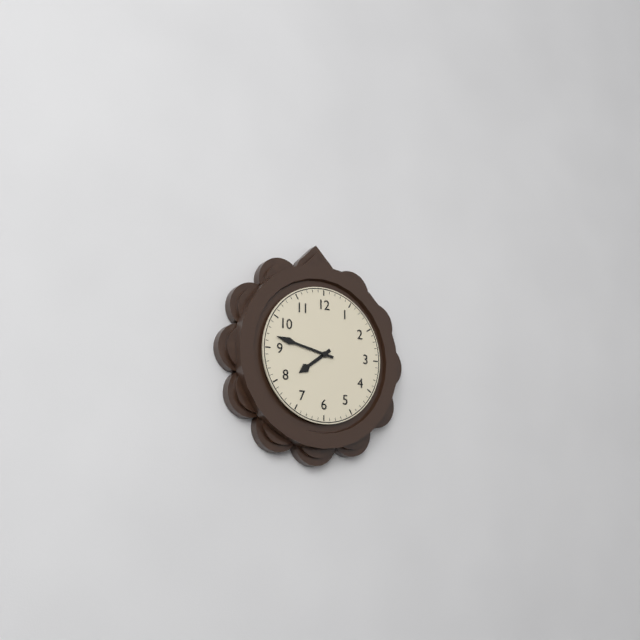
{"hour": 7, "minute": 47}
